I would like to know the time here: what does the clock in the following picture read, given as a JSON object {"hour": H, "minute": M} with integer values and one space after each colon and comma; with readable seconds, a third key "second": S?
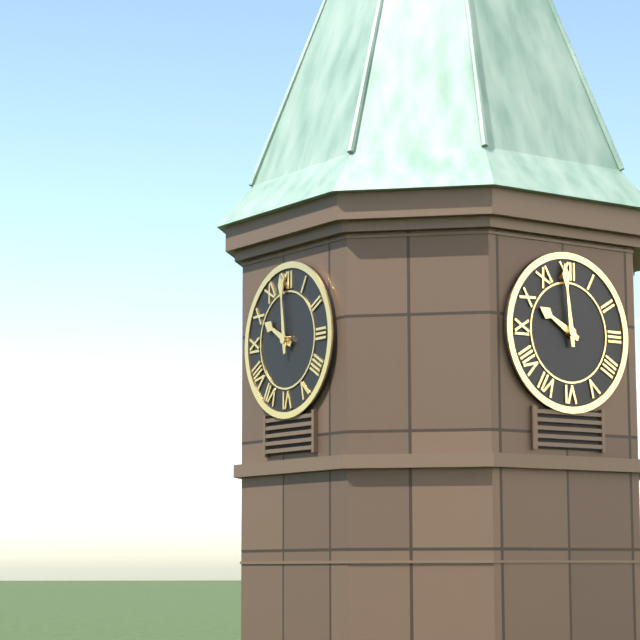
{"hour": 9, "minute": 59}
